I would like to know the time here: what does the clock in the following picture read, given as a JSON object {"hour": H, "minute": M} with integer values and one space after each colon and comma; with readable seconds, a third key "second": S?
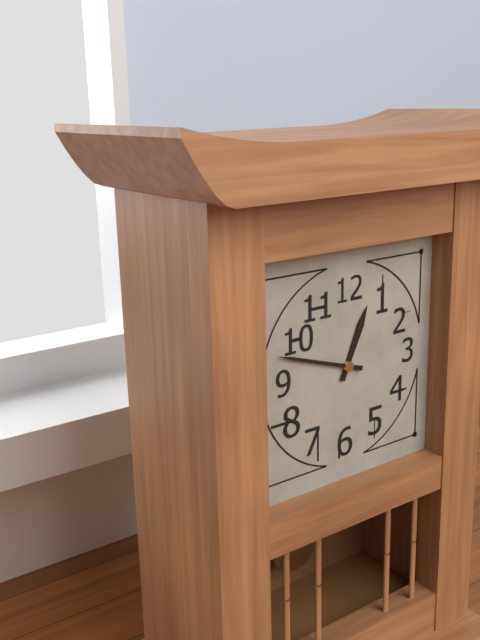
{"hour": 12, "minute": 48}
